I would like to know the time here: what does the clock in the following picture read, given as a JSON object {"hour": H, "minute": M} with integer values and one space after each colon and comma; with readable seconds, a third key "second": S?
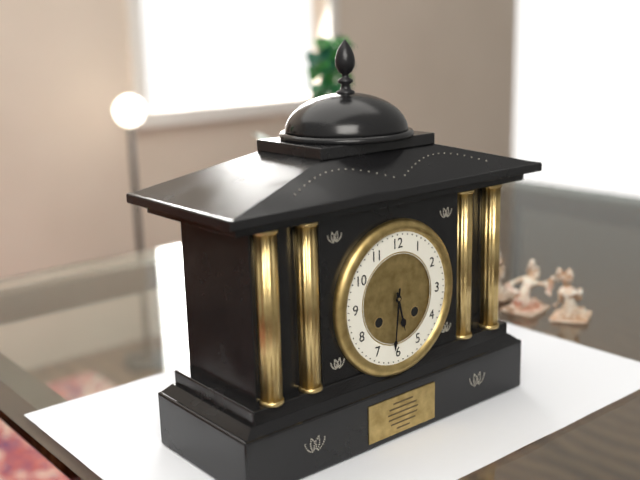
{"hour": 5, "minute": 31}
